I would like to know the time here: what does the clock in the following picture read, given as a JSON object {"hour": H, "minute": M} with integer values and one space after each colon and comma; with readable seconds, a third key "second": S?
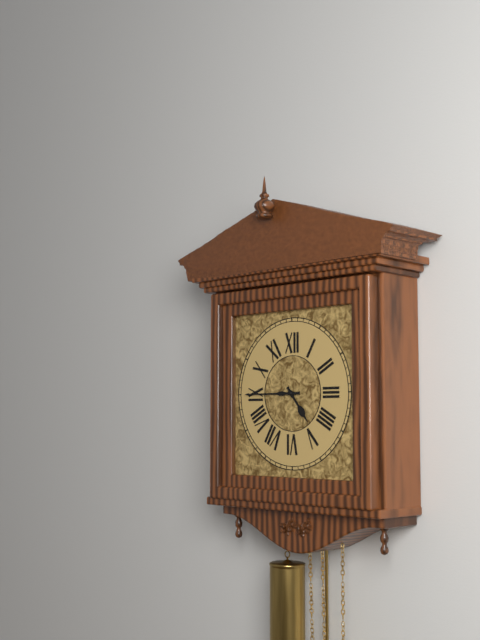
{"hour": 4, "minute": 45}
